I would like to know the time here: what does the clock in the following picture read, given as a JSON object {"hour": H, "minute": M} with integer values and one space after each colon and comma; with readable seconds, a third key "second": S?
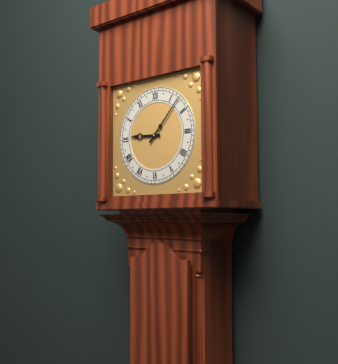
{"hour": 9, "minute": 7}
